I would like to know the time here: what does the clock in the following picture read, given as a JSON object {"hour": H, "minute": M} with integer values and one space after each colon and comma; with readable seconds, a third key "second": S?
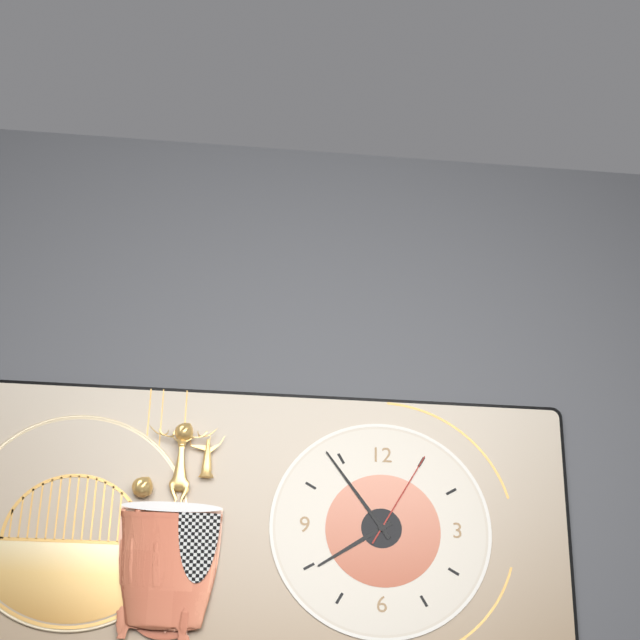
{"hour": 7, "minute": 54, "second": 5}
